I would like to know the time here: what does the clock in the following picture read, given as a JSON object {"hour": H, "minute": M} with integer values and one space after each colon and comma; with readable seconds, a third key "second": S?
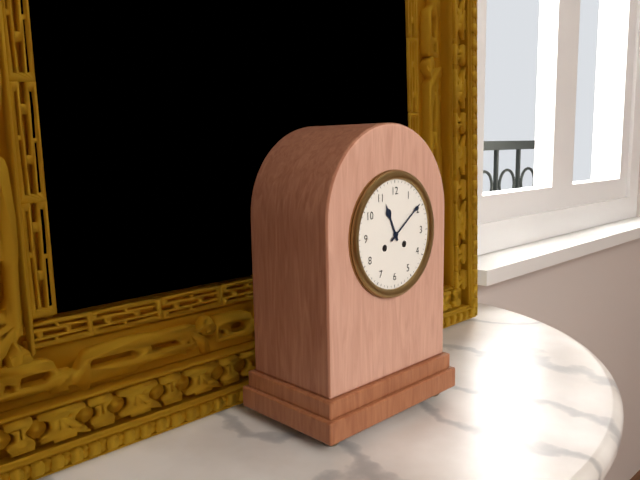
{"hour": 11, "minute": 9}
